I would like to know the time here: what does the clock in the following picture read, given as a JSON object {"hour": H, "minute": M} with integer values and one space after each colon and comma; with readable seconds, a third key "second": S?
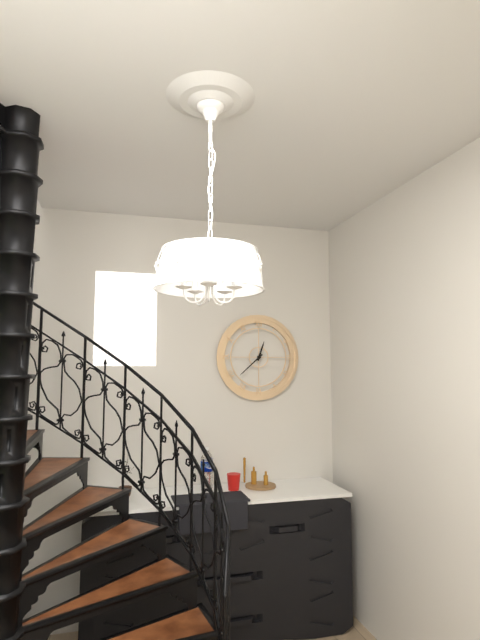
{"hour": 12, "minute": 38}
